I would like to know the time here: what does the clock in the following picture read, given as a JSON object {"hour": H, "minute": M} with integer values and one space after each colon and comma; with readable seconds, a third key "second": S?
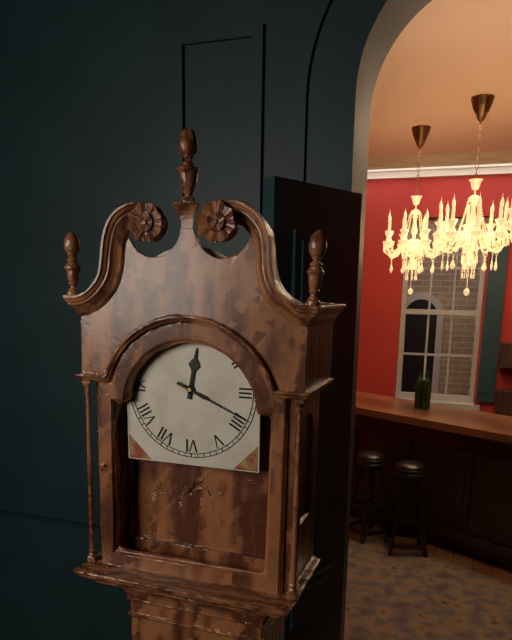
{"hour": 12, "minute": 19}
